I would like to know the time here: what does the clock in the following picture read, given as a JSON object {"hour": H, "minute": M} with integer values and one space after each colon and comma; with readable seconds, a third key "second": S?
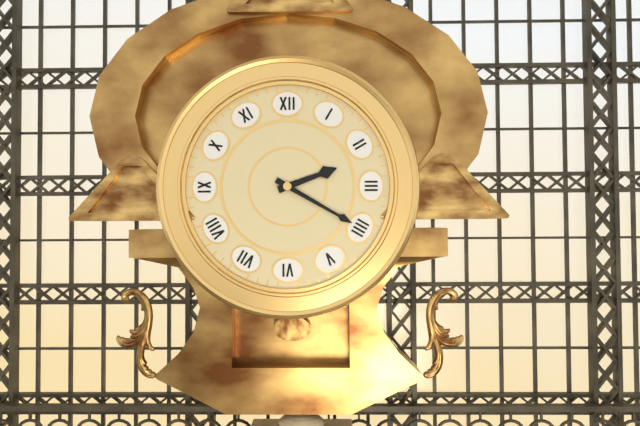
{"hour": 2, "minute": 20}
